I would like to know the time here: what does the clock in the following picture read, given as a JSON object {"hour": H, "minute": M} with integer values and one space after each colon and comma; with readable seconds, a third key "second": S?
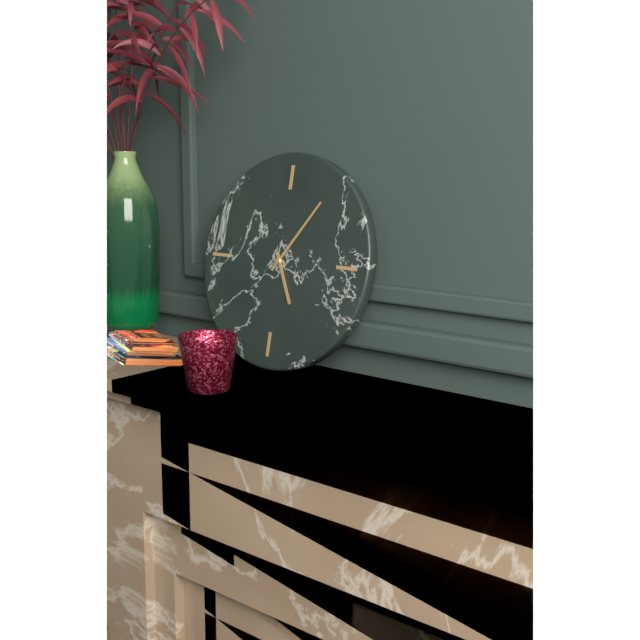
{"hour": 5, "minute": 6}
